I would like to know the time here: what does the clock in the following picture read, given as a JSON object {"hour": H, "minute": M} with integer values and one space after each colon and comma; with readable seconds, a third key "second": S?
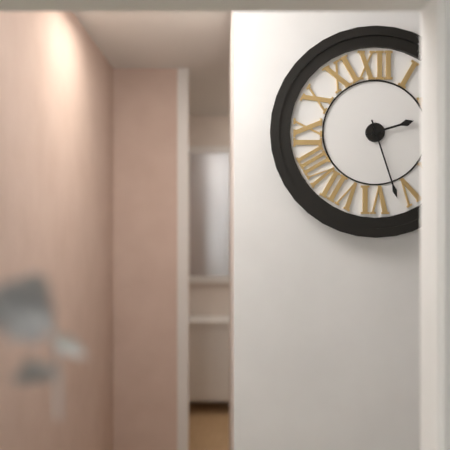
{"hour": 2, "minute": 27}
